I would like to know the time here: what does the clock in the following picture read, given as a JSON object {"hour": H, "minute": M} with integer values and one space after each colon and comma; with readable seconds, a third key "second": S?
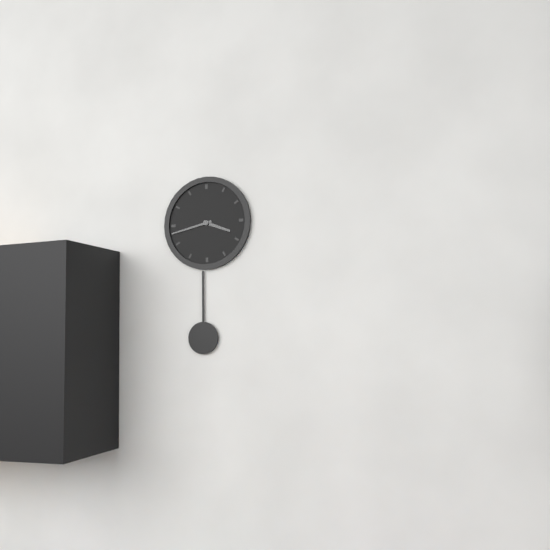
{"hour": 3, "minute": 43}
